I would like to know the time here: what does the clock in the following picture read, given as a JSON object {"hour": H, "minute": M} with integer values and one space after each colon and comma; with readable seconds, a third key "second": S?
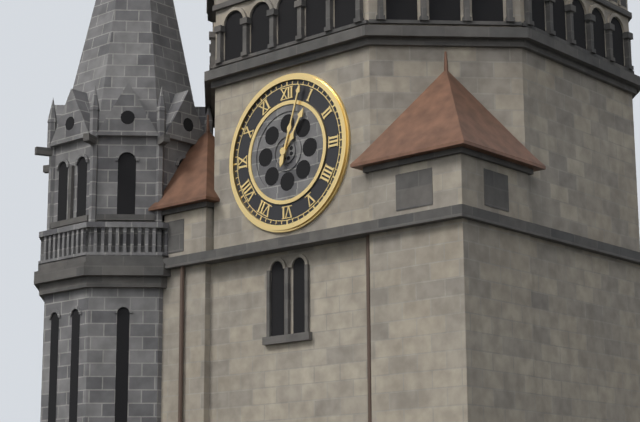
{"hour": 1, "minute": 3}
